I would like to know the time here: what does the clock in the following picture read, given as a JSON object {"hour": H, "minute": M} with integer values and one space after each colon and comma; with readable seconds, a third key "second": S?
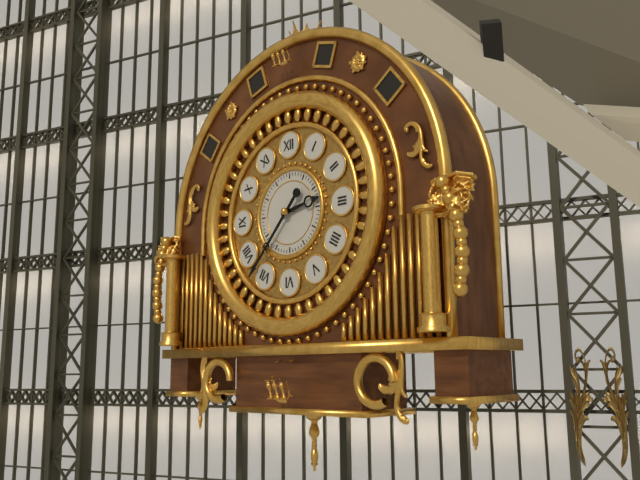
{"hour": 2, "minute": 37}
